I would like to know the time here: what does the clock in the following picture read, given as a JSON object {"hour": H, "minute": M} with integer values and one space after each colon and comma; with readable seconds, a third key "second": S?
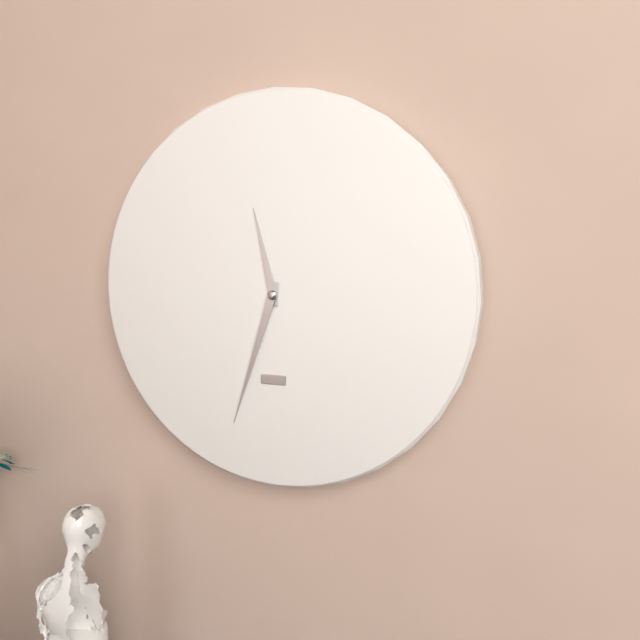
{"hour": 11, "minute": 33}
